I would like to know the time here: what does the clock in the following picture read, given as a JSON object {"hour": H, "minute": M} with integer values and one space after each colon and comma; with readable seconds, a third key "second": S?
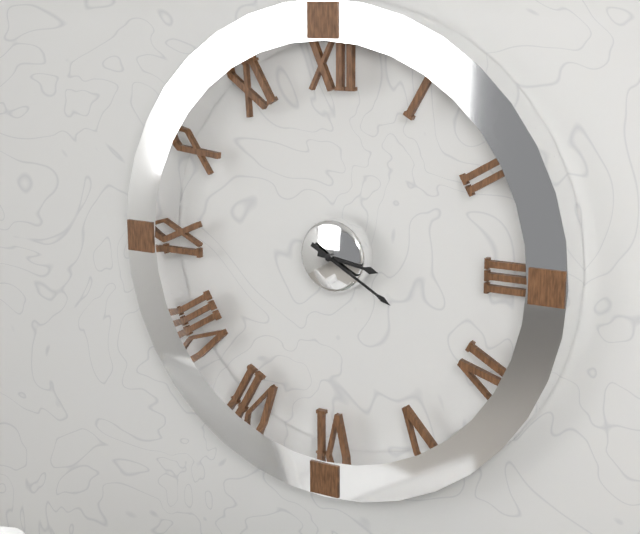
{"hour": 3, "minute": 20}
